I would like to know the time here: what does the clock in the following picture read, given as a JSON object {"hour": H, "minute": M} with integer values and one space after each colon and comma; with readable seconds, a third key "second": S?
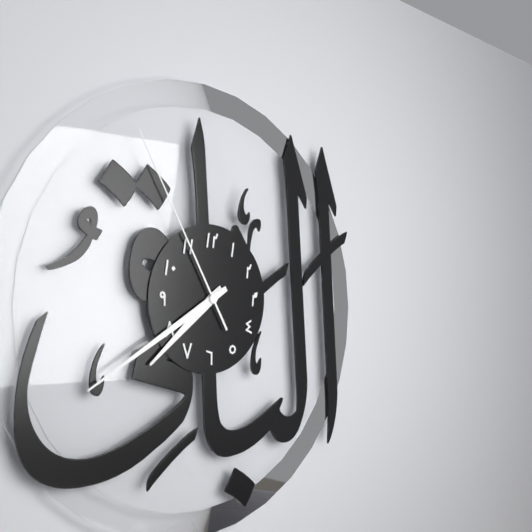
{"hour": 7, "minute": 40, "second": 55}
